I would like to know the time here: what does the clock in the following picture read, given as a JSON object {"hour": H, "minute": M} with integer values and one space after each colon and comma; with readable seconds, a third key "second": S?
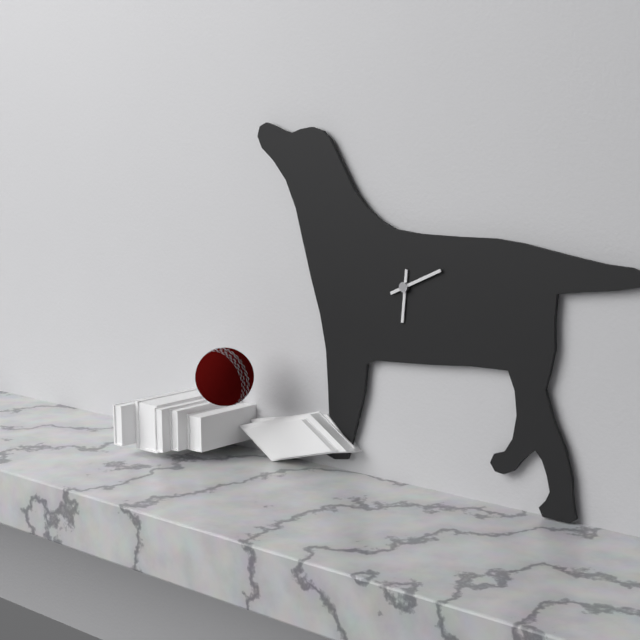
{"hour": 6, "minute": 11}
